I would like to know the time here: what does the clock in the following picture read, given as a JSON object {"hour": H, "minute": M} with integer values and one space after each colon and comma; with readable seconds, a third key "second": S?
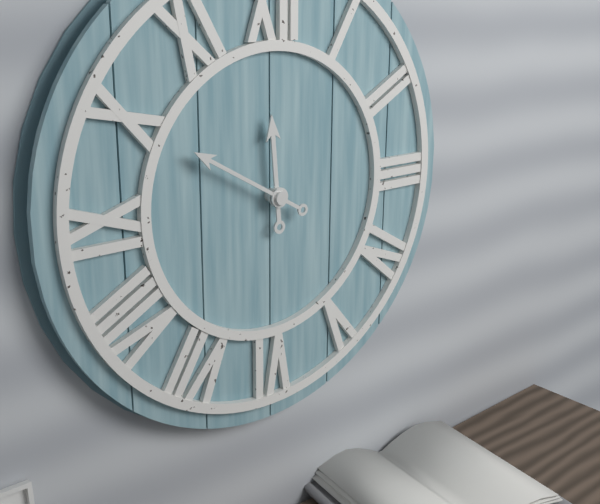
{"hour": 11, "minute": 50}
